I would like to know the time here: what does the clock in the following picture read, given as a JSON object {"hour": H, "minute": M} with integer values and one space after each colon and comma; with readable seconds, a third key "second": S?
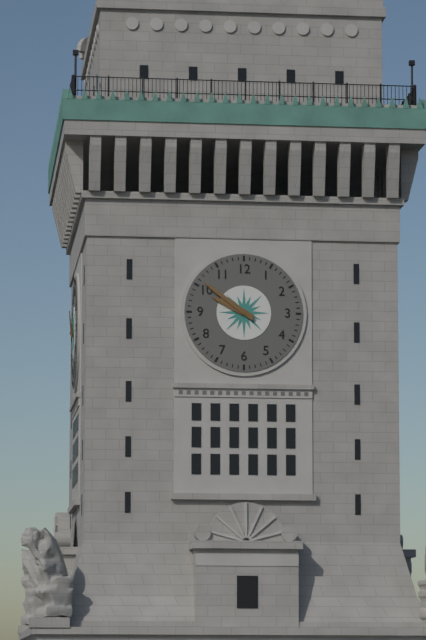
{"hour": 9, "minute": 51}
